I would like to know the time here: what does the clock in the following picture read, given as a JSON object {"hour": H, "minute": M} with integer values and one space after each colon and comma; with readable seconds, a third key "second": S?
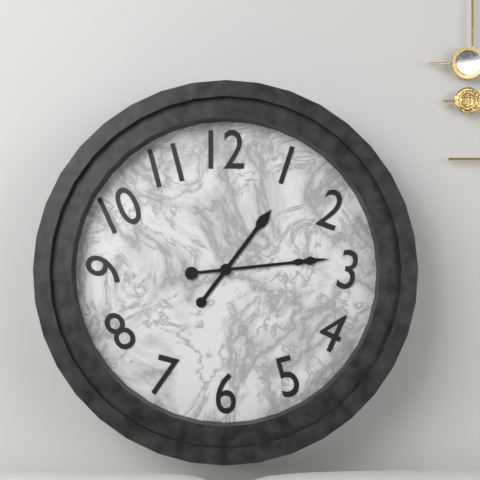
{"hour": 1, "minute": 14}
